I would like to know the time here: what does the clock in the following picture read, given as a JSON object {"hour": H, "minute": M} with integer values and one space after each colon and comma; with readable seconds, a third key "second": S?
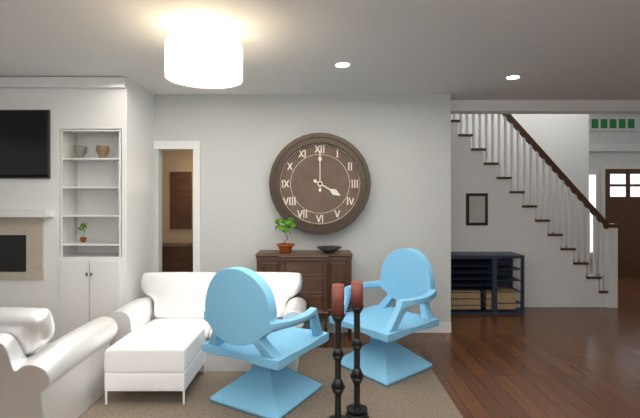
{"hour": 4, "minute": 0}
